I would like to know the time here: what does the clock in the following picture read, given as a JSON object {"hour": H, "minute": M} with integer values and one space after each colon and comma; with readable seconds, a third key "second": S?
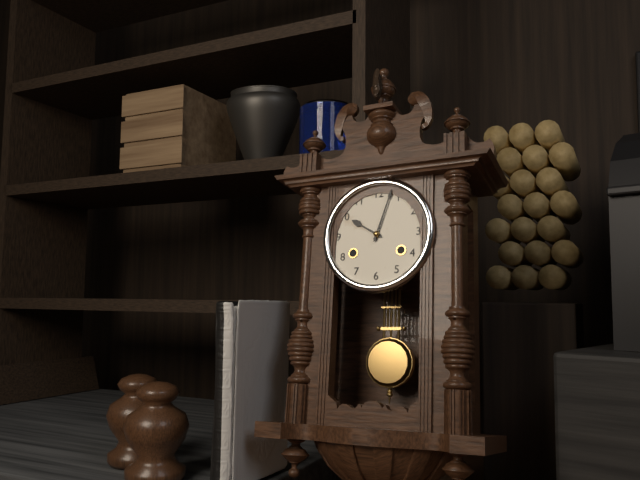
{"hour": 10, "minute": 3}
